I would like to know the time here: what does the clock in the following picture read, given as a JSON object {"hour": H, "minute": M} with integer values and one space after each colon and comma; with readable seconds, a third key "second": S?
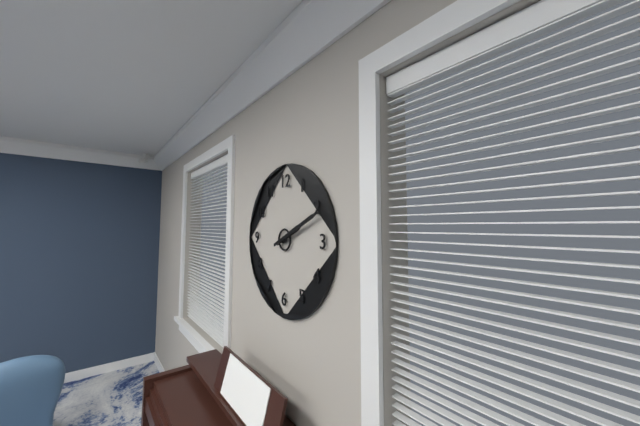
{"hour": 2, "minute": 11}
